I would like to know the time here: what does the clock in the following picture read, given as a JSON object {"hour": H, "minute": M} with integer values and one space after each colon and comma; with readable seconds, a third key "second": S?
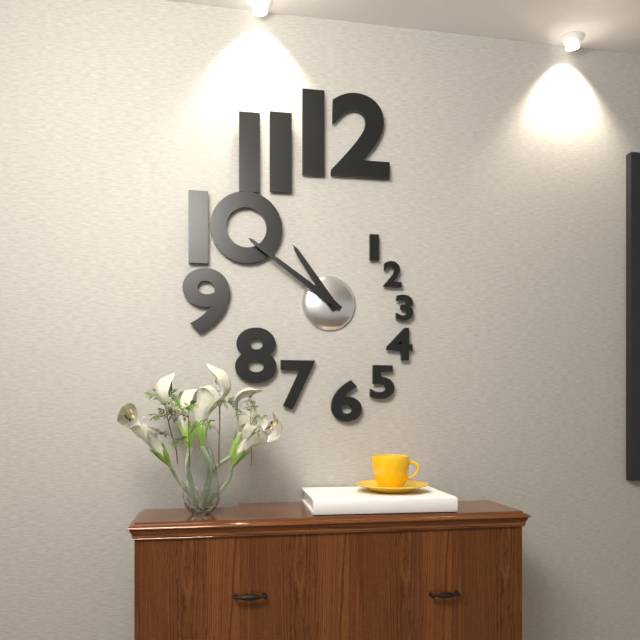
{"hour": 10, "minute": 51}
